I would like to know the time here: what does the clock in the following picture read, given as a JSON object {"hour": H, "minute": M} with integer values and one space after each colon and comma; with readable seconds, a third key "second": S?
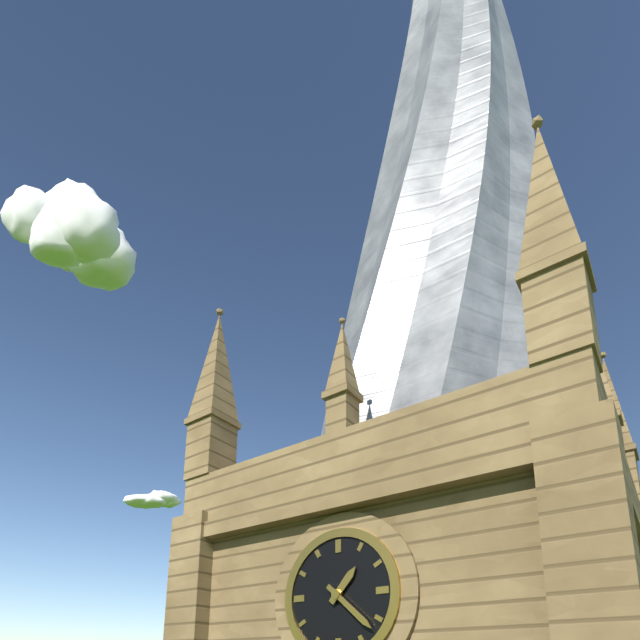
{"hour": 1, "minute": 22}
